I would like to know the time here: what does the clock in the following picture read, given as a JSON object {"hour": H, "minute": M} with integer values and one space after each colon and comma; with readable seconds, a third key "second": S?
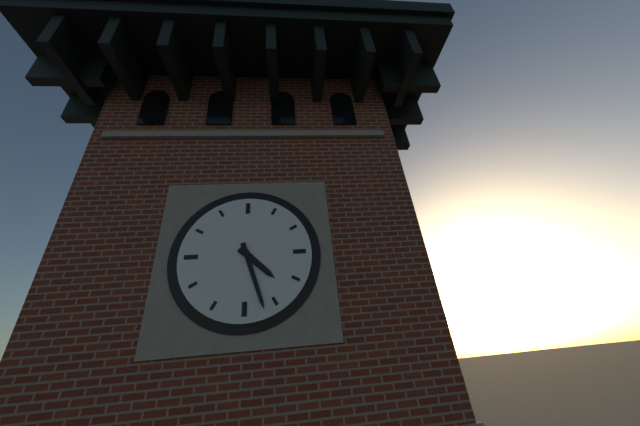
{"hour": 4, "minute": 27}
